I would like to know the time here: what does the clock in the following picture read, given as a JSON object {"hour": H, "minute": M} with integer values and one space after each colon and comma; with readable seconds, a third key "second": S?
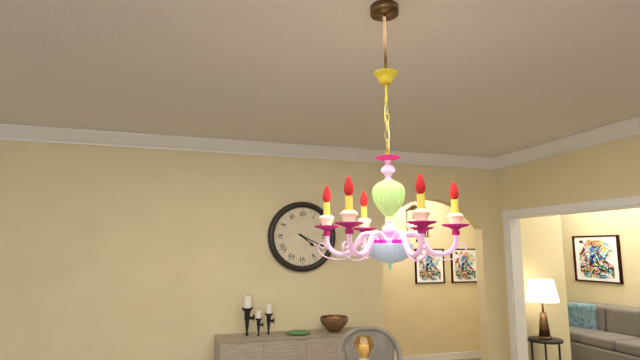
{"hour": 4, "minute": 19}
